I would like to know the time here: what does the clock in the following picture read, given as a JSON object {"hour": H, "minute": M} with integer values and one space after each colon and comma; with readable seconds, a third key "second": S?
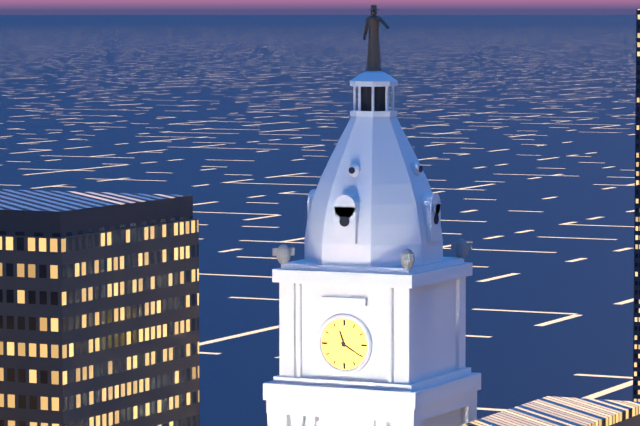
{"hour": 11, "minute": 20}
